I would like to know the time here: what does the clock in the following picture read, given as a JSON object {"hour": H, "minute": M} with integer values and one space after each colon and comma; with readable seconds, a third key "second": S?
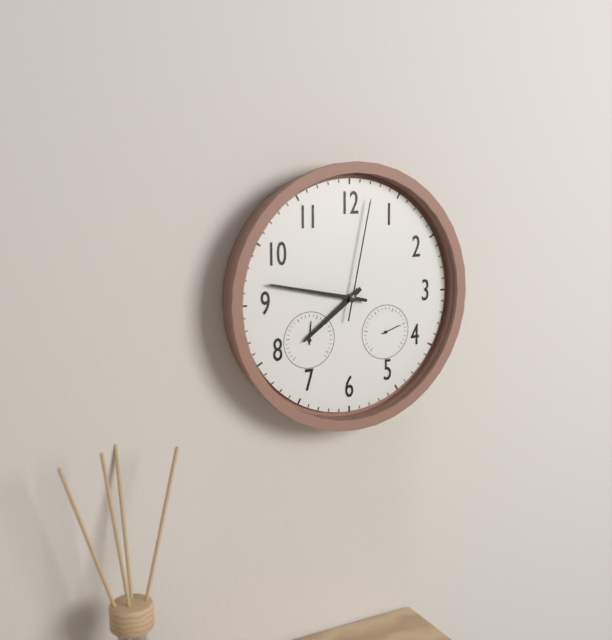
{"hour": 7, "minute": 47, "second": 2}
